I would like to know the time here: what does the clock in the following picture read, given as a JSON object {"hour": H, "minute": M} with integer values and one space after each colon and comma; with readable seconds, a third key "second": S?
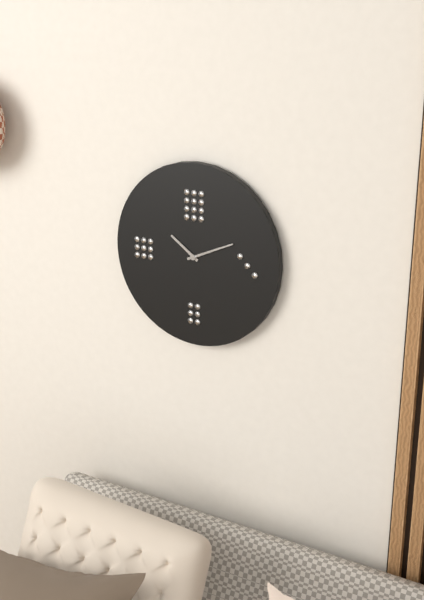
{"hour": 10, "minute": 11}
